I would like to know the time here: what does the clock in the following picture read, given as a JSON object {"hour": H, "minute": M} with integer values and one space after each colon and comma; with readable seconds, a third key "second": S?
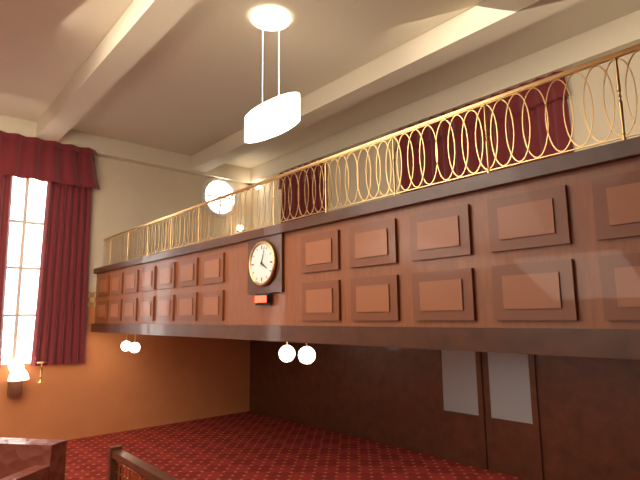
{"hour": 4, "minute": 3}
